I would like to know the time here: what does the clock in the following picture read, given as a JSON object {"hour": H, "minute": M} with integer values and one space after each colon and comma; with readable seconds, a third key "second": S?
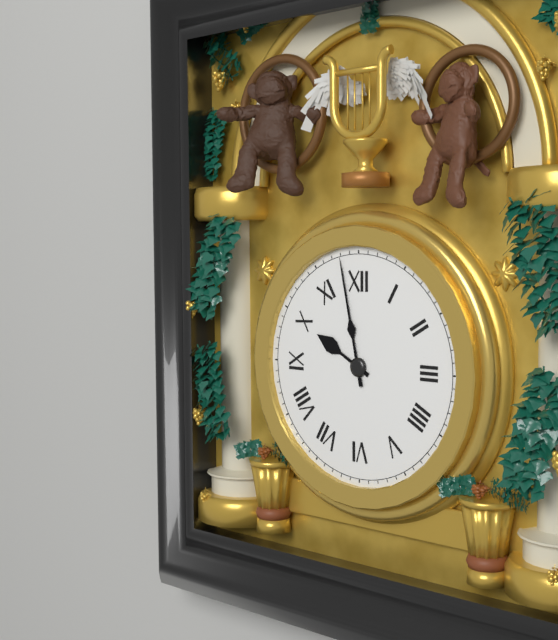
{"hour": 9, "minute": 58}
